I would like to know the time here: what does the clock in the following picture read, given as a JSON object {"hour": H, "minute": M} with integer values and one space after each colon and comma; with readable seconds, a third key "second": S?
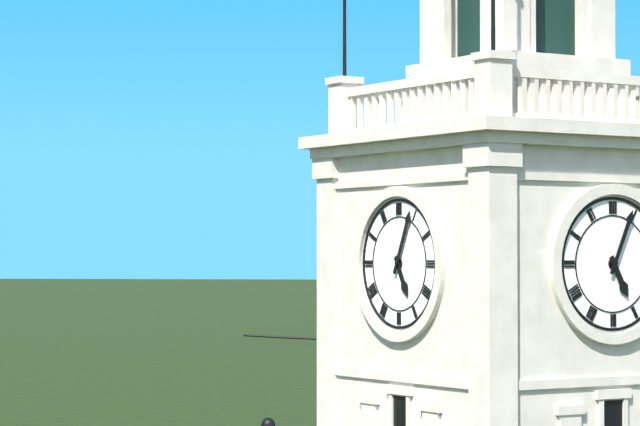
{"hour": 5, "minute": 4}
